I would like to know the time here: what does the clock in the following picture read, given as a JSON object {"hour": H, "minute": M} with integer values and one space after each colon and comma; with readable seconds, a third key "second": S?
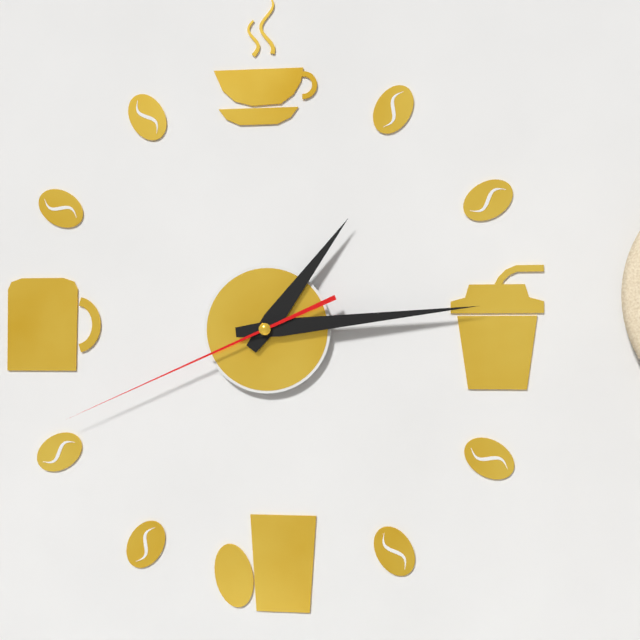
{"hour": 1, "minute": 14, "second": 41}
